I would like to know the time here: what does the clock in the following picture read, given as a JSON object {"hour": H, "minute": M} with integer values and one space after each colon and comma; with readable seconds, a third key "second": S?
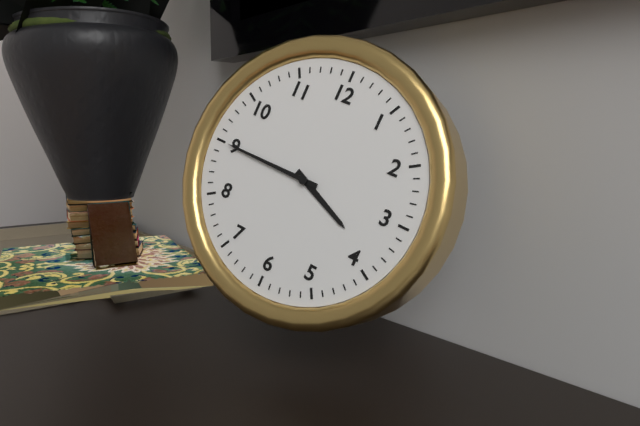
{"hour": 3, "minute": 45}
